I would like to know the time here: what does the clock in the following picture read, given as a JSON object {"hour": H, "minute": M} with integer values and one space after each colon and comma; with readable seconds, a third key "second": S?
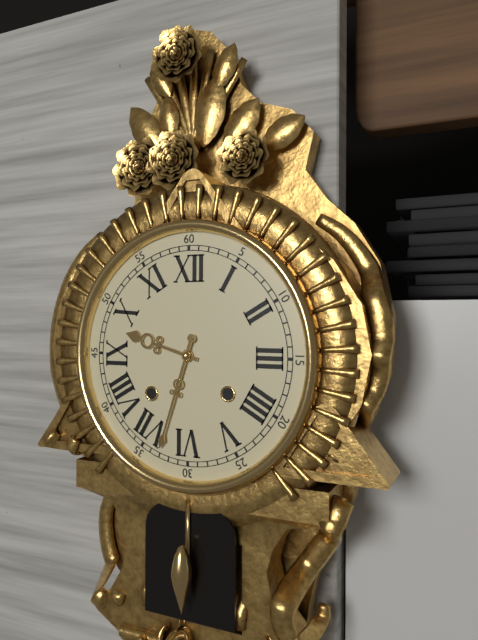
{"hour": 9, "minute": 33}
